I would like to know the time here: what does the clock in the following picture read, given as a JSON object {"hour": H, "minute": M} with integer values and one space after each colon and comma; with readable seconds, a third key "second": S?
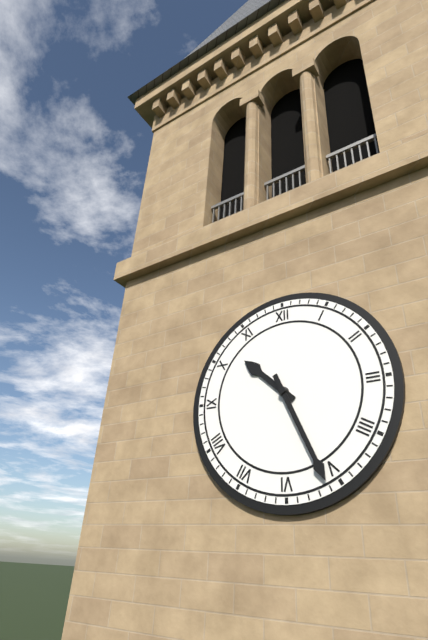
{"hour": 10, "minute": 26}
